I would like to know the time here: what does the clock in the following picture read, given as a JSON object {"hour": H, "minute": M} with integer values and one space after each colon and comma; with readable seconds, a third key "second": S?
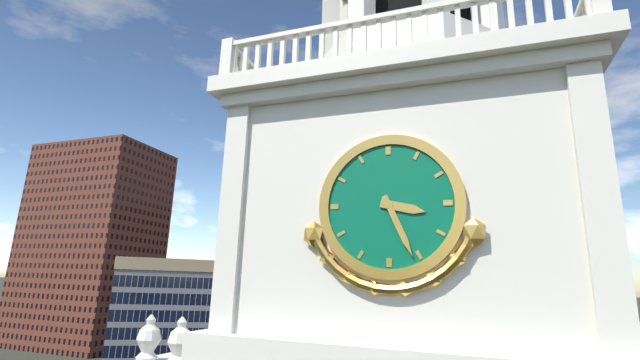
{"hour": 3, "minute": 26}
